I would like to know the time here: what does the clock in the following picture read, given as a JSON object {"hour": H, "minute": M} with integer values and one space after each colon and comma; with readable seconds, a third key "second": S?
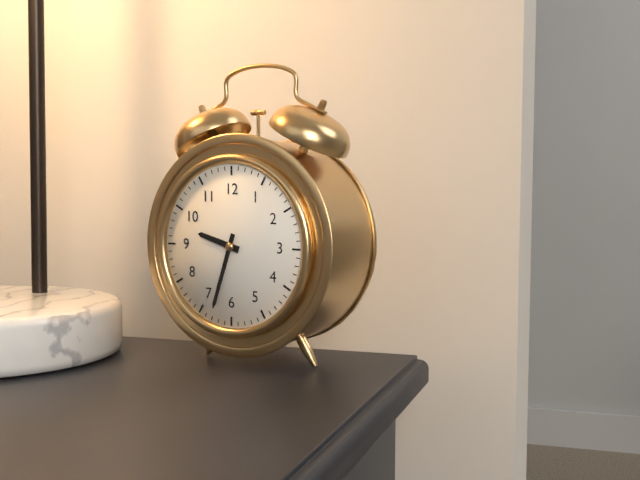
{"hour": 9, "minute": 33}
